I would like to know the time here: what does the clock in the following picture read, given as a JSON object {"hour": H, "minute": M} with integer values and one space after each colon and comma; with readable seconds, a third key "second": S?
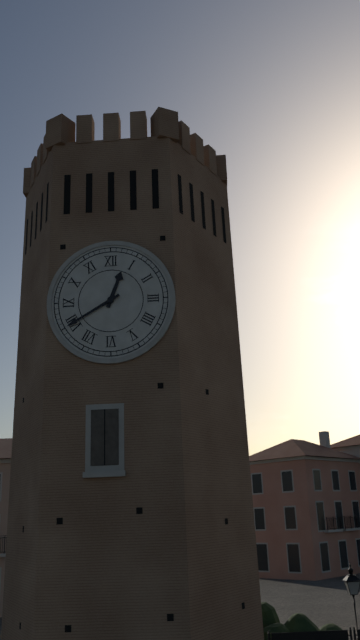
{"hour": 12, "minute": 40}
